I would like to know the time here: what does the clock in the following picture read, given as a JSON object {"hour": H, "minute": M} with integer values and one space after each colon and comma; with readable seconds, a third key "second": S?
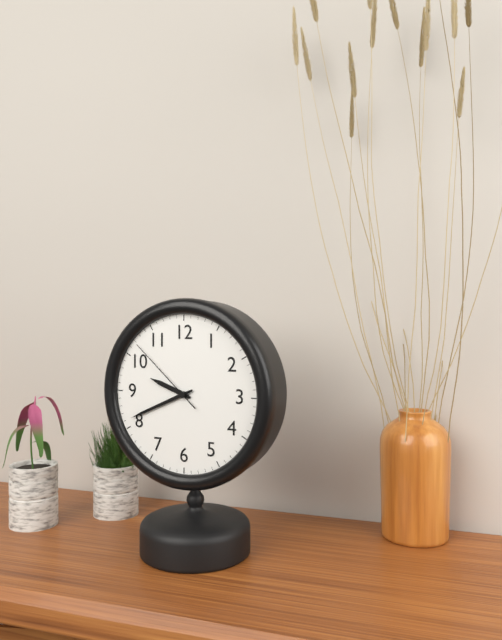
{"hour": 9, "minute": 41, "second": 52}
